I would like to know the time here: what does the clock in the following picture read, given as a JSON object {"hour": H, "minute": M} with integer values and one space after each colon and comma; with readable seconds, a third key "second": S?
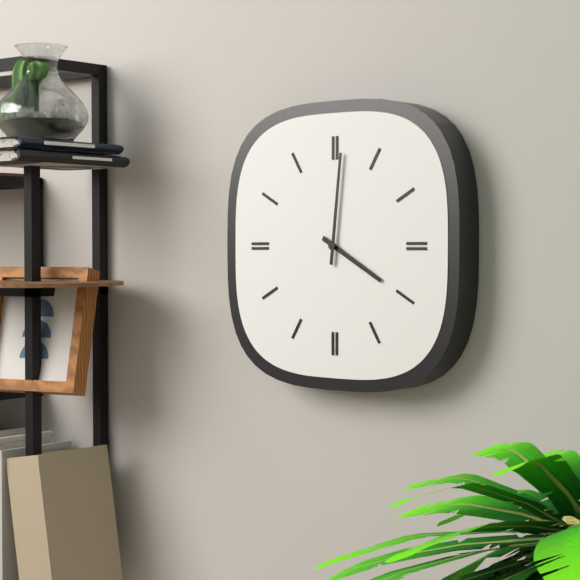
{"hour": 4, "minute": 1}
